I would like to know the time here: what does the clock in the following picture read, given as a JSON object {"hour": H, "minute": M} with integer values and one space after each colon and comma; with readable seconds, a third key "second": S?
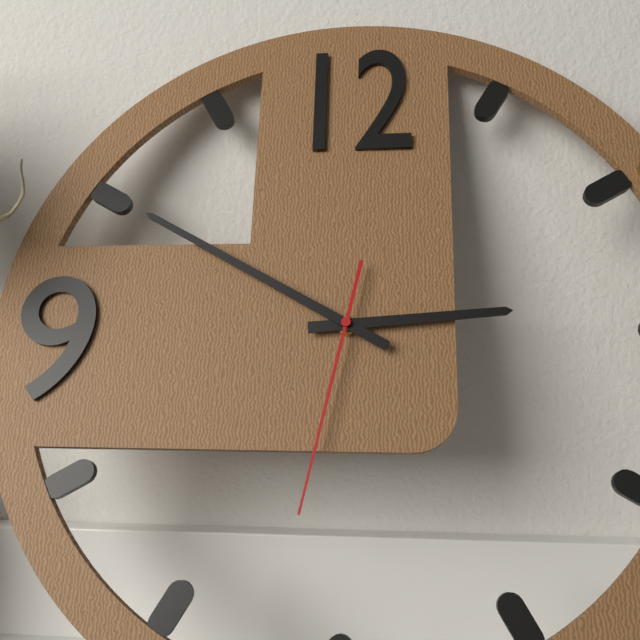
{"hour": 2, "minute": 50, "second": 32}
